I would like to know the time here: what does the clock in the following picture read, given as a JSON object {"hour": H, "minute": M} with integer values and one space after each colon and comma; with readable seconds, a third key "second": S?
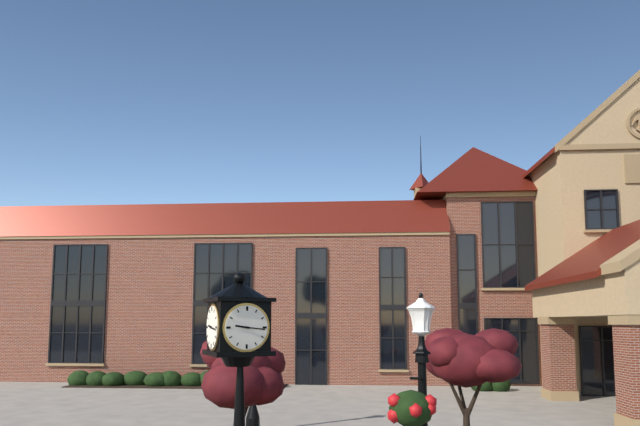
{"hour": 9, "minute": 16}
